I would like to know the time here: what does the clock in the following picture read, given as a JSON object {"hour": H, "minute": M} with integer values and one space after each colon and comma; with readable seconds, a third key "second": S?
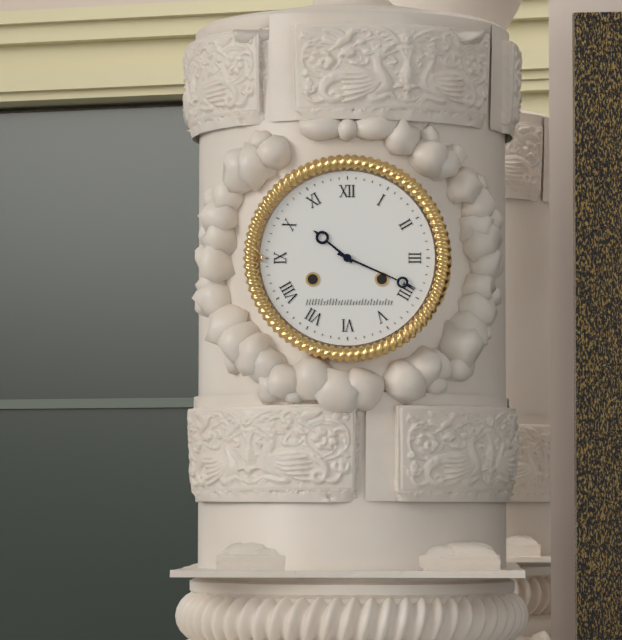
{"hour": 10, "minute": 19}
